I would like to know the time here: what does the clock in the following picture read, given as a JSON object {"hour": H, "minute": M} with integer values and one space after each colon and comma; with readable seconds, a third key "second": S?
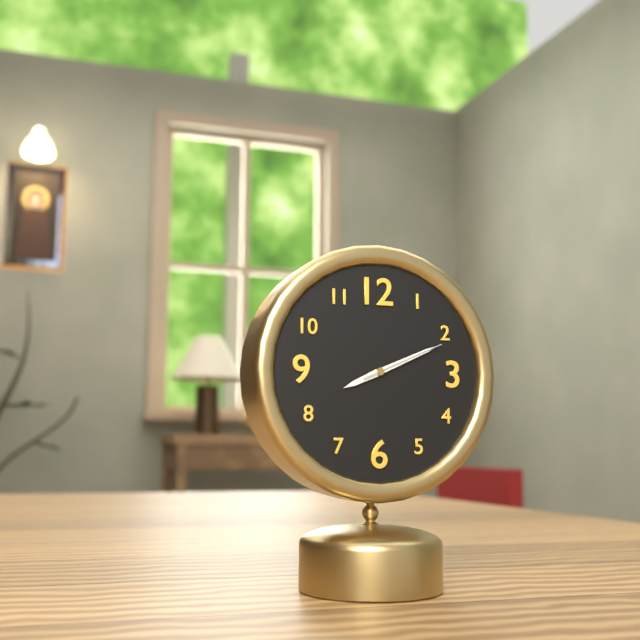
{"hour": 8, "minute": 11, "second": 11}
